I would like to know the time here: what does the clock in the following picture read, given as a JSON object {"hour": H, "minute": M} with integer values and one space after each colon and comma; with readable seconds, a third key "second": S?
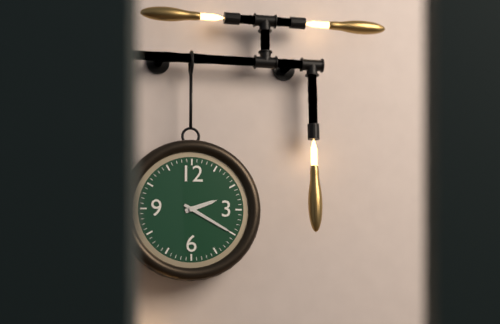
{"hour": 2, "minute": 20}
